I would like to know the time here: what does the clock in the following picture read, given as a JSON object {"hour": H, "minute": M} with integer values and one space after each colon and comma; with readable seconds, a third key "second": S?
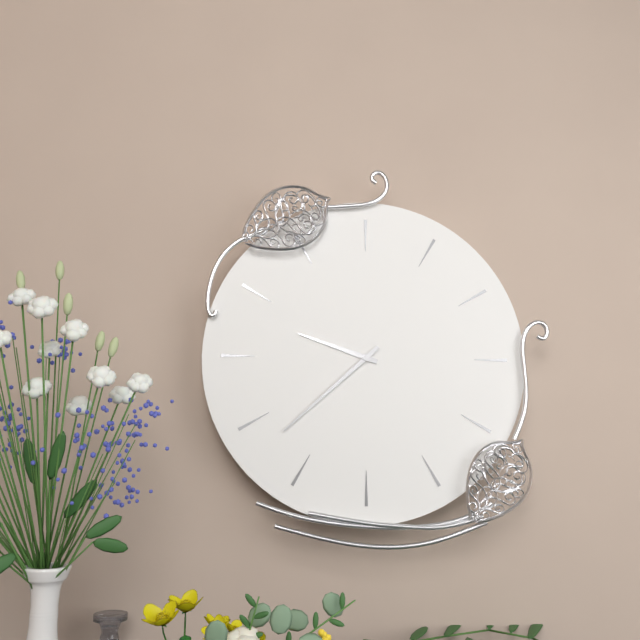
{"hour": 9, "minute": 38}
